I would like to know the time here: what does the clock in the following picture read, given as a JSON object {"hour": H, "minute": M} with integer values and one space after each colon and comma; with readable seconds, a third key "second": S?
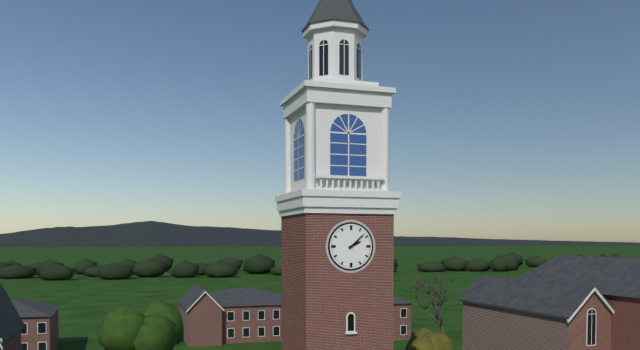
{"hour": 2, "minute": 8}
